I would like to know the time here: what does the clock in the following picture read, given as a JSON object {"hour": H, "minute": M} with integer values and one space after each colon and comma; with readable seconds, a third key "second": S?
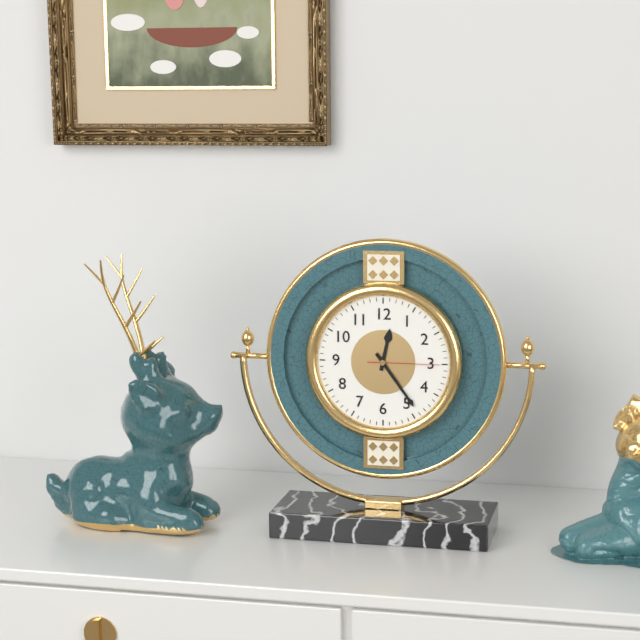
{"hour": 12, "minute": 24, "second": 15}
